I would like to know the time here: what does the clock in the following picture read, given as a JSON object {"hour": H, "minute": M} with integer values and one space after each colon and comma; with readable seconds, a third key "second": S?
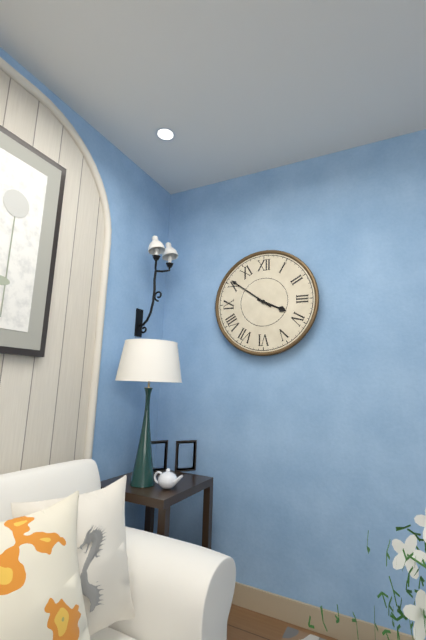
{"hour": 3, "minute": 51}
